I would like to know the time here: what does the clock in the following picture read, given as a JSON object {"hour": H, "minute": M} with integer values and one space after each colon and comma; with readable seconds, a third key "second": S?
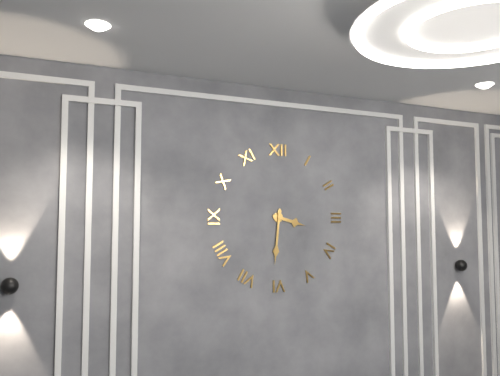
{"hour": 3, "minute": 31}
